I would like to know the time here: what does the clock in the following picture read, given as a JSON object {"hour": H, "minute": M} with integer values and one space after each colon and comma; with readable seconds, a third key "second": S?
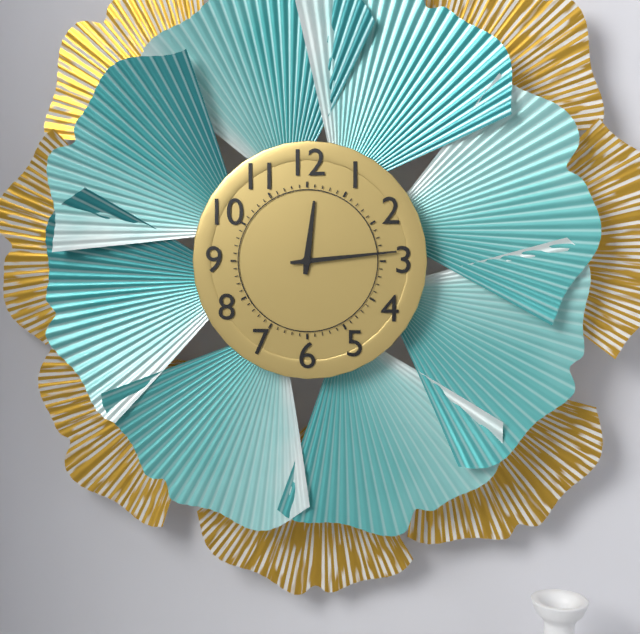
{"hour": 12, "minute": 14}
